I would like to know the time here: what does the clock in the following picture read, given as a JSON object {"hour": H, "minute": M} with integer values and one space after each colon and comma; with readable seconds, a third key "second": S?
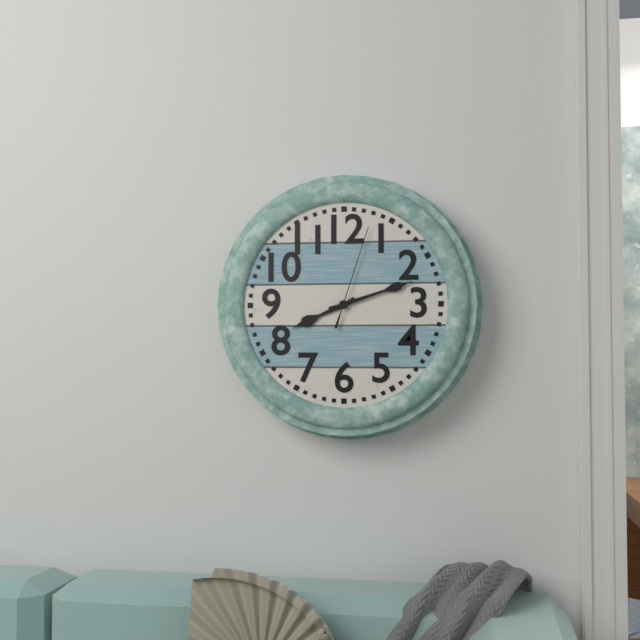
{"hour": 8, "minute": 12, "second": 3}
